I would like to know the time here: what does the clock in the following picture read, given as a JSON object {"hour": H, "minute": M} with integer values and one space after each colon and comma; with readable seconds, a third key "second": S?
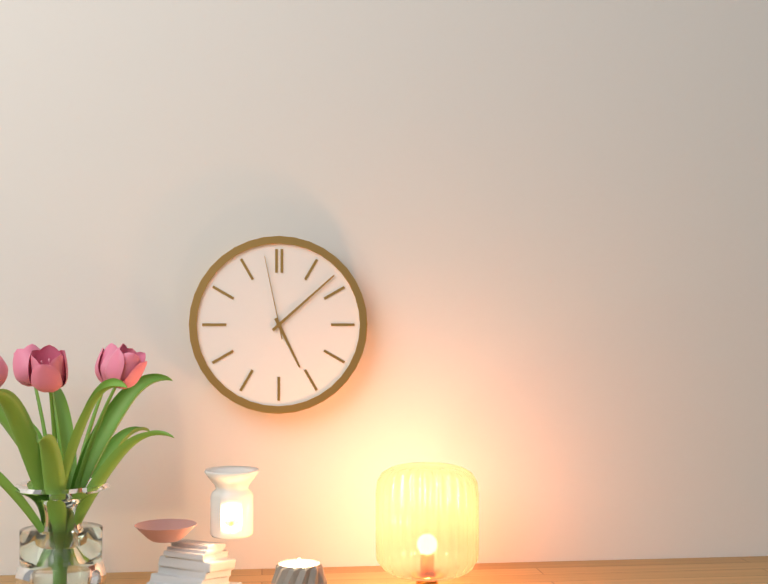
{"hour": 5, "minute": 8, "second": 58}
